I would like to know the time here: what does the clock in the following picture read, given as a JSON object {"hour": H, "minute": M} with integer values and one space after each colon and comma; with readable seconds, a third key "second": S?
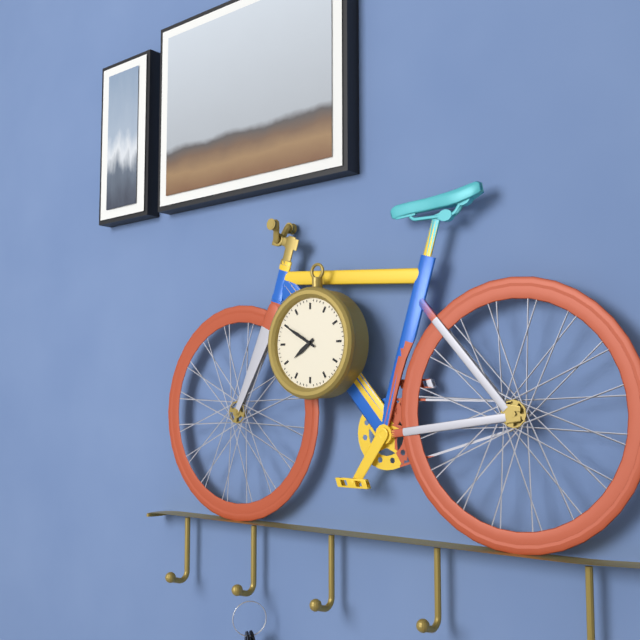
{"hour": 7, "minute": 50}
